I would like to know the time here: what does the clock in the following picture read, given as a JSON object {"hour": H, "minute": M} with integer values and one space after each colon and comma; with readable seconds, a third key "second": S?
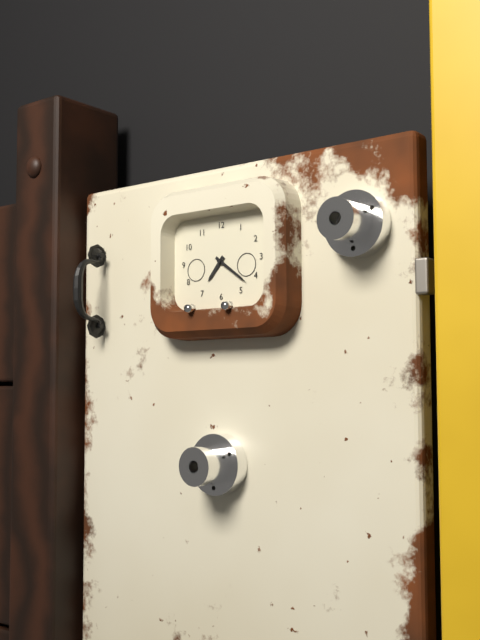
{"hour": 7, "minute": 21}
